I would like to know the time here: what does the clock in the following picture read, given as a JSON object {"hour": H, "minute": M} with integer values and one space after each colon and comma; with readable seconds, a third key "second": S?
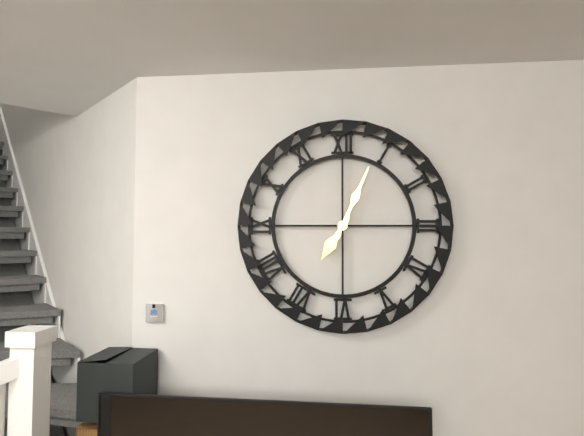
{"hour": 7, "minute": 4}
